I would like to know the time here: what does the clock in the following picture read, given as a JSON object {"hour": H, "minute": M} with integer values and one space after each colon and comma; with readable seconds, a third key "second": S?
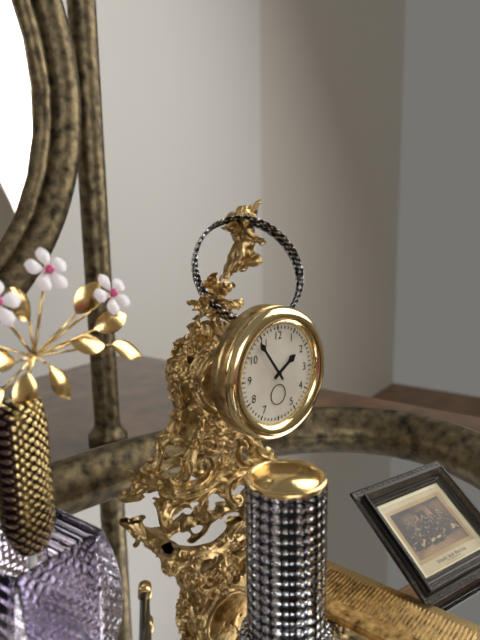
{"hour": 1, "minute": 54}
